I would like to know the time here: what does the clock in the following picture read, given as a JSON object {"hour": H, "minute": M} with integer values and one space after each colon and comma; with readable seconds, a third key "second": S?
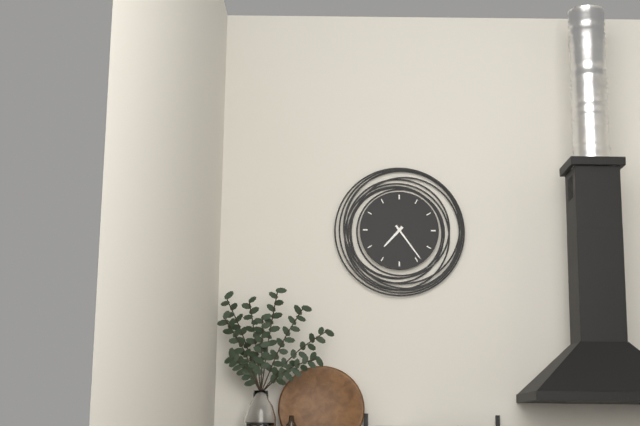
{"hour": 7, "minute": 24}
